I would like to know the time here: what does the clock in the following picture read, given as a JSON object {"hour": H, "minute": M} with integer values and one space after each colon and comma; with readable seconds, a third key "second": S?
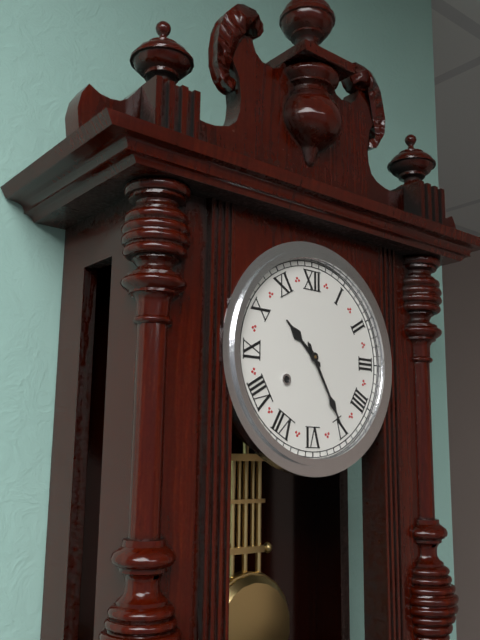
{"hour": 10, "minute": 25}
